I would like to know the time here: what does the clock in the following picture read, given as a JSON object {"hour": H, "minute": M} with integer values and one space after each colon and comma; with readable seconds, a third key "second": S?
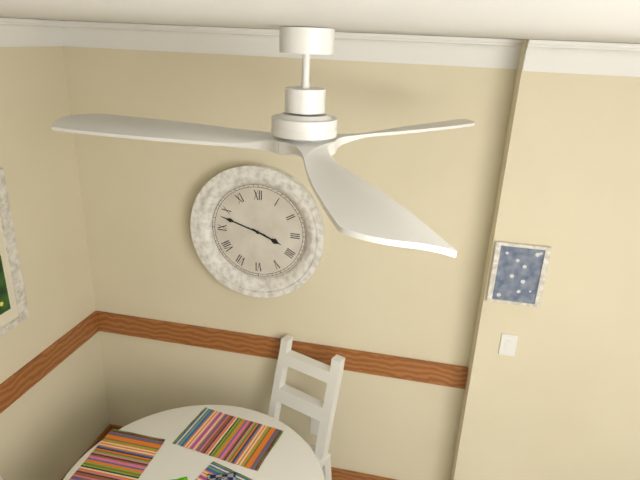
{"hour": 3, "minute": 48}
